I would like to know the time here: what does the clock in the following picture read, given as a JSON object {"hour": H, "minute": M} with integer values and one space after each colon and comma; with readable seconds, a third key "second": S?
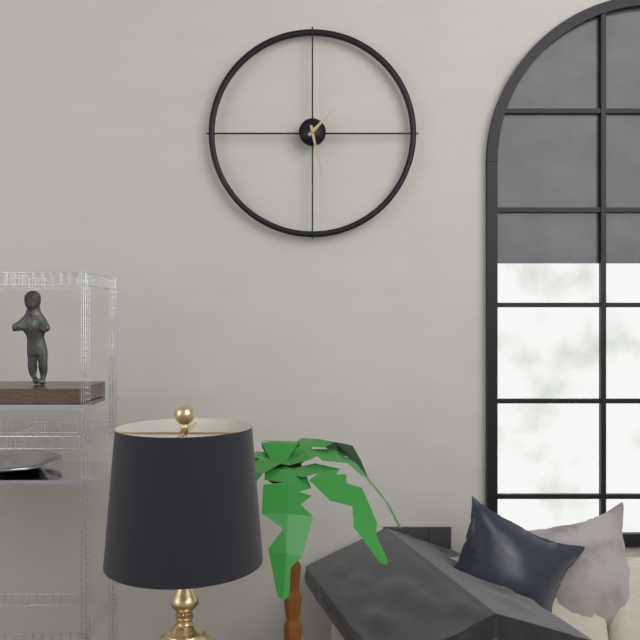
{"hour": 1, "minute": 28}
